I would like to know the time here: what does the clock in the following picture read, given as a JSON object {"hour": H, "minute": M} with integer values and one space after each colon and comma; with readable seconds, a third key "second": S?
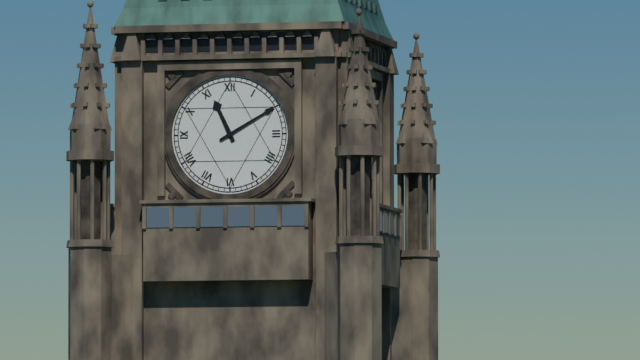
{"hour": 11, "minute": 10}
